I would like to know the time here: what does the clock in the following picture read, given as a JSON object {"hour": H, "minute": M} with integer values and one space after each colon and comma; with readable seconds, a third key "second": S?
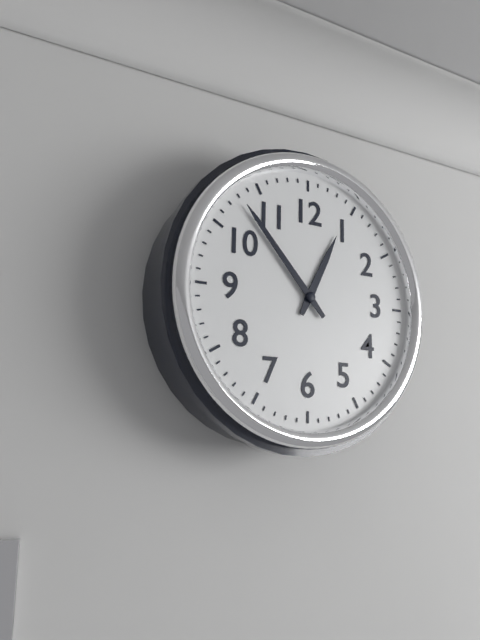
{"hour": 12, "minute": 53}
